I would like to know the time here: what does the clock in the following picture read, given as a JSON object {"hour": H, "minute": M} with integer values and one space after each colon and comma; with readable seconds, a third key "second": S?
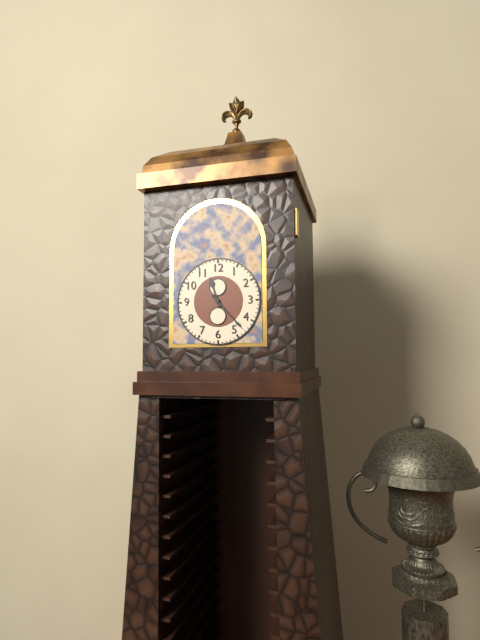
{"hour": 11, "minute": 23}
